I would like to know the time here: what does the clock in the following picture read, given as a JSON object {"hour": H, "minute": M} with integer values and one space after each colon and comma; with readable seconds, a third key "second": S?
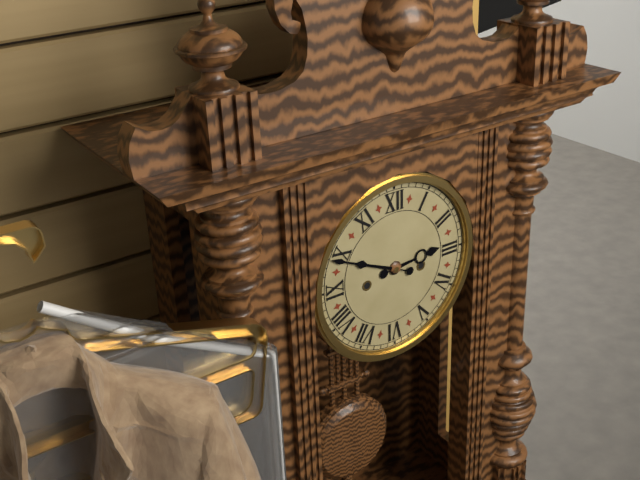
{"hour": 2, "minute": 49}
